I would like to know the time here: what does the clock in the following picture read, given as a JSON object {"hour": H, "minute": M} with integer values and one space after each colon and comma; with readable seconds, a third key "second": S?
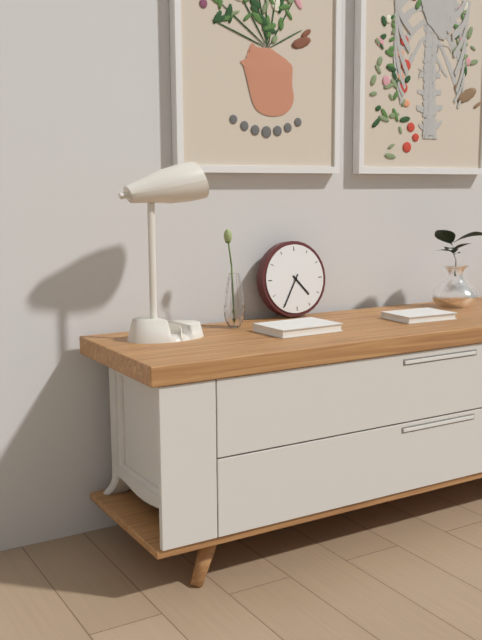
{"hour": 4, "minute": 35}
